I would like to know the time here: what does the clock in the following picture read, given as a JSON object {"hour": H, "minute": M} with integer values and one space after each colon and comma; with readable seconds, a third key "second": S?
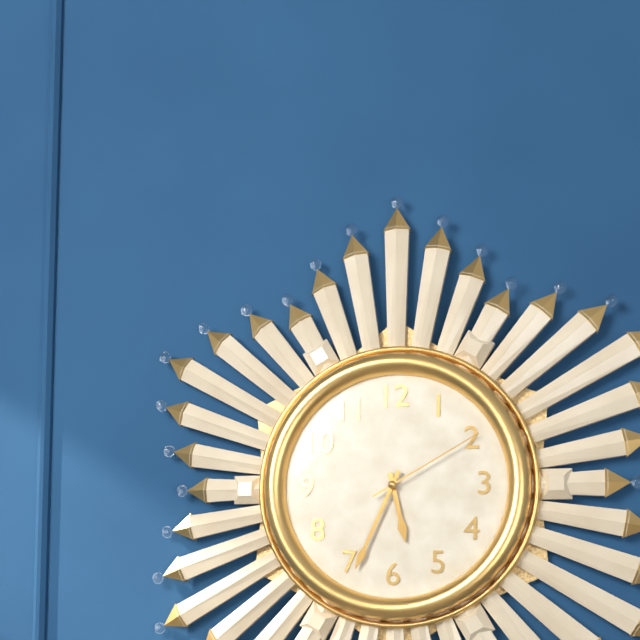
{"hour": 5, "minute": 34, "second": 10}
